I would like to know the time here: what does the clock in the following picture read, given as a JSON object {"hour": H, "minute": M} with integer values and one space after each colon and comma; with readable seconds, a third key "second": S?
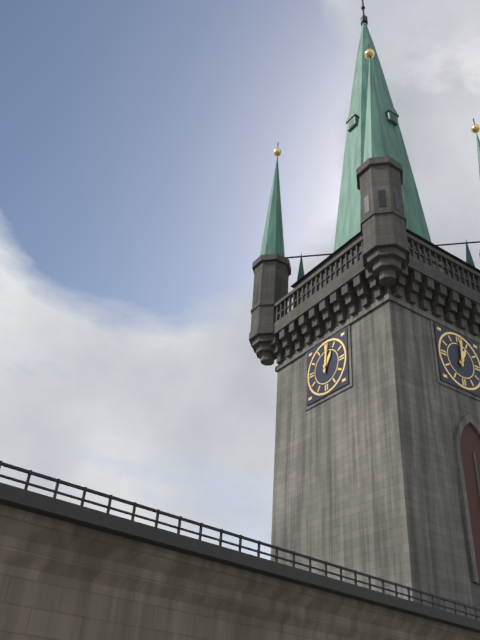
{"hour": 1, "minute": 1}
